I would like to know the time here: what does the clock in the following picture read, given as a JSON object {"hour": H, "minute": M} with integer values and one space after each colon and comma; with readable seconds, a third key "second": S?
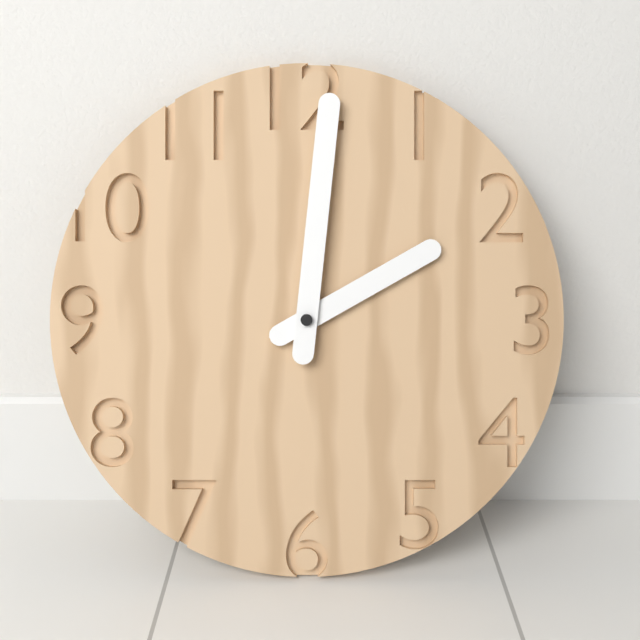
{"hour": 2, "minute": 1}
